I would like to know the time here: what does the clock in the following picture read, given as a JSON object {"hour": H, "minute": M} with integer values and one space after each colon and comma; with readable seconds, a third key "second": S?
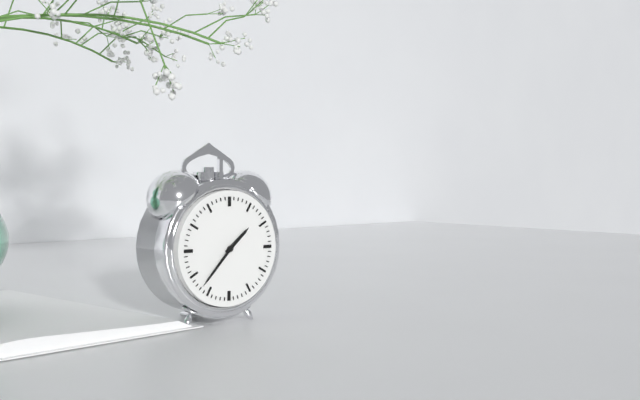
{"hour": 1, "minute": 37}
